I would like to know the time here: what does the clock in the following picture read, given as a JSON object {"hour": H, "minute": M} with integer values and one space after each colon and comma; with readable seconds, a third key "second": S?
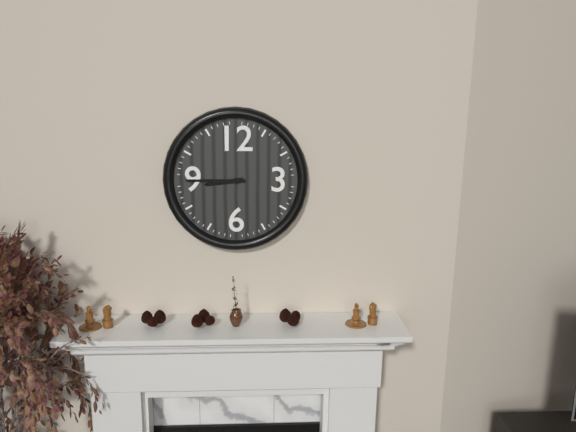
{"hour": 8, "minute": 45}
